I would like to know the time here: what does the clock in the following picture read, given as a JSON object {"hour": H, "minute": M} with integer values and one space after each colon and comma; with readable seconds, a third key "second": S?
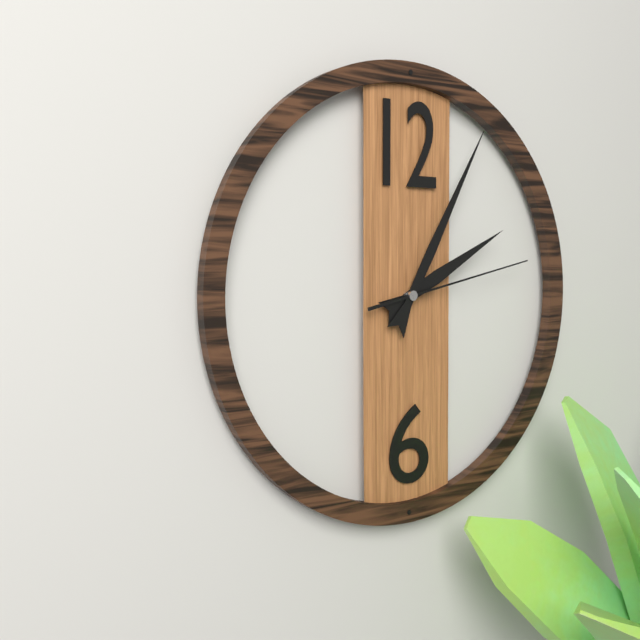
{"hour": 2, "minute": 5, "second": 13}
